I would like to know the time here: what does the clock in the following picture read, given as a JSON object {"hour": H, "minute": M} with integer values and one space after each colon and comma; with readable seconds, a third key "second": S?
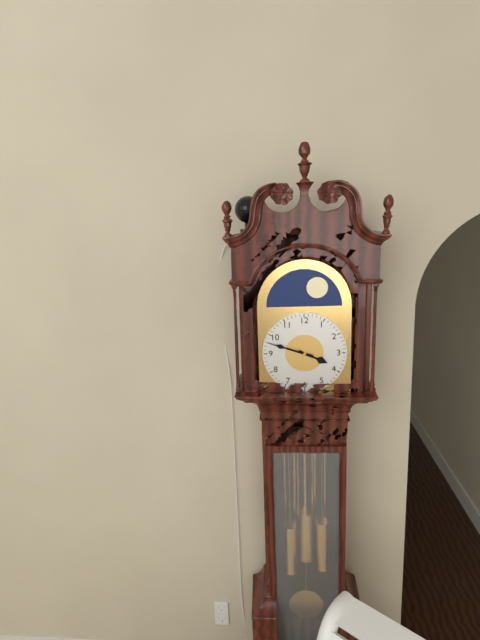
{"hour": 3, "minute": 48}
